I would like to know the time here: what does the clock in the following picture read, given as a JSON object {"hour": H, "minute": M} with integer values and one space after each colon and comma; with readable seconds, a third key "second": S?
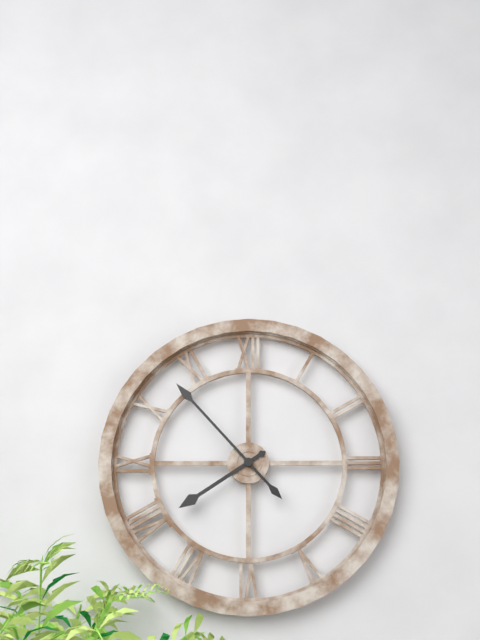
{"hour": 7, "minute": 53}
